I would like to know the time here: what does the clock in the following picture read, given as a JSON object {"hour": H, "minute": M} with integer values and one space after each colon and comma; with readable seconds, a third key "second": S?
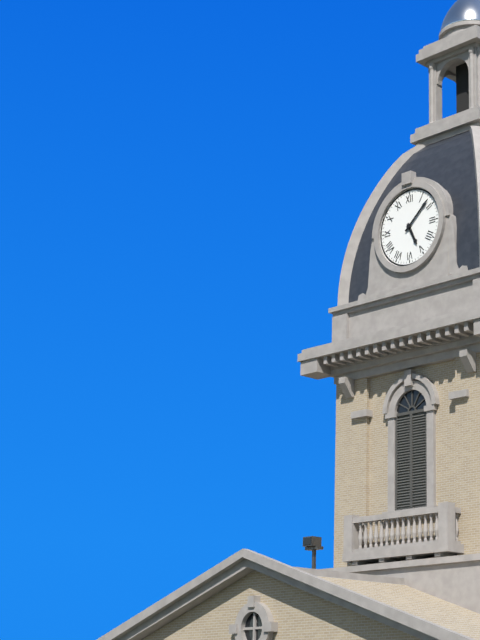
{"hour": 5, "minute": 8}
